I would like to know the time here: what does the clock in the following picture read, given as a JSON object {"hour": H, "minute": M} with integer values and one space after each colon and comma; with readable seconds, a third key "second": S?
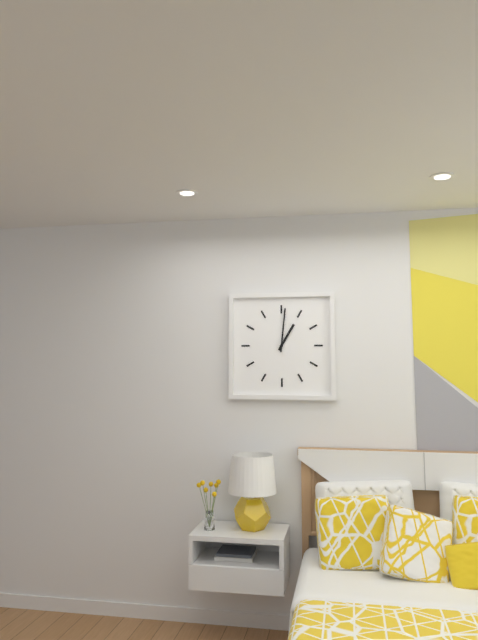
{"hour": 1, "minute": 1}
